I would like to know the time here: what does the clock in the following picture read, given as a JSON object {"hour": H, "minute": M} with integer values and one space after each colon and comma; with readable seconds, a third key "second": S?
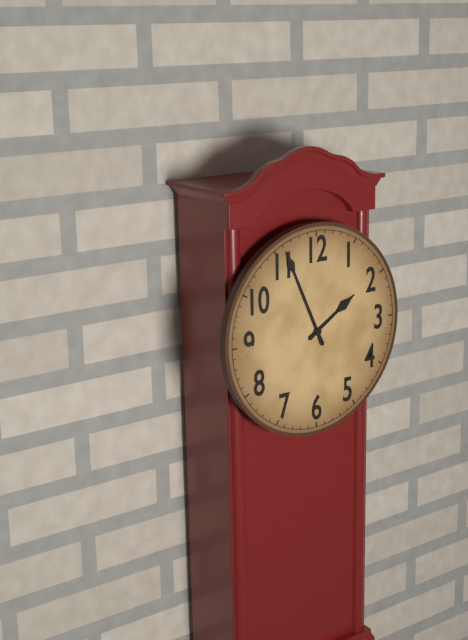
{"hour": 1, "minute": 56}
